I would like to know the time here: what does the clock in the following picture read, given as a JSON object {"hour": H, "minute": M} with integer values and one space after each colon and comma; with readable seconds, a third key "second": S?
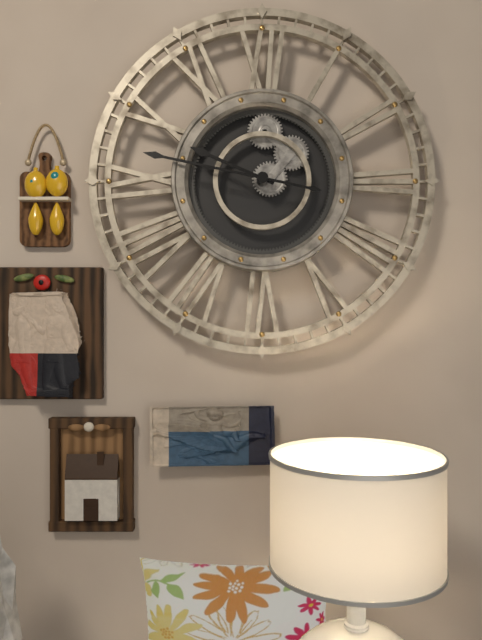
{"hour": 9, "minute": 47}
